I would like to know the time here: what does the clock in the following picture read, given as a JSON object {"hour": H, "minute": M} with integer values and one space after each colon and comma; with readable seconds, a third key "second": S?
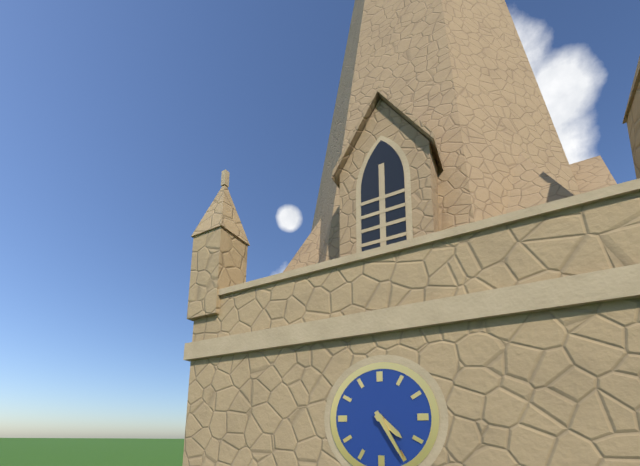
{"hour": 4, "minute": 25}
